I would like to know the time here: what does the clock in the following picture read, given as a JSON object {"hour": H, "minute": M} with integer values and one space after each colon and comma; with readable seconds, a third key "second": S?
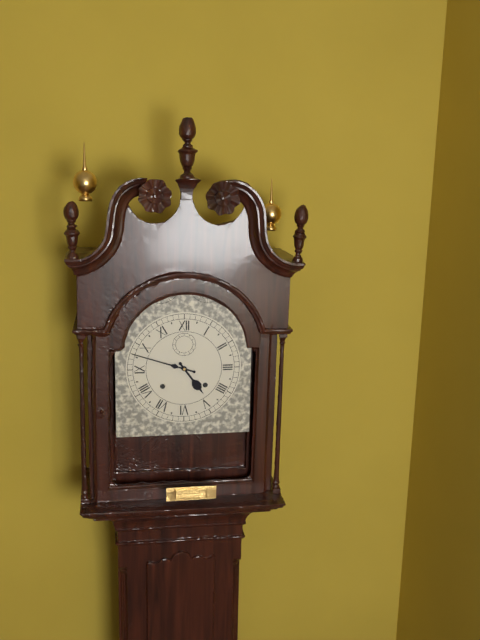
{"hour": 4, "minute": 48}
